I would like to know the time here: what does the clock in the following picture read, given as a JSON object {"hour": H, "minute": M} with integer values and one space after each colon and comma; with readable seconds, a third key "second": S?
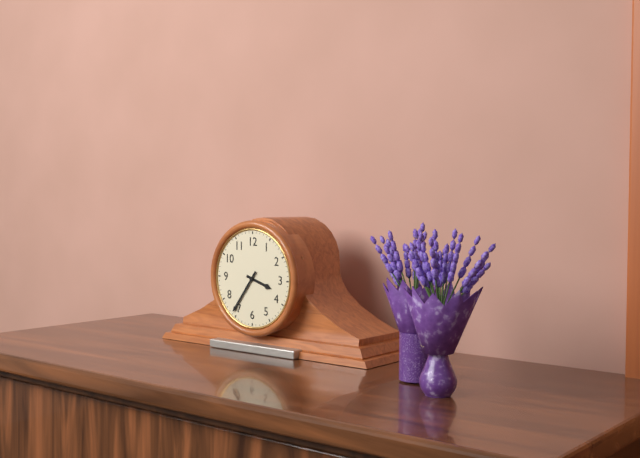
{"hour": 3, "minute": 36}
